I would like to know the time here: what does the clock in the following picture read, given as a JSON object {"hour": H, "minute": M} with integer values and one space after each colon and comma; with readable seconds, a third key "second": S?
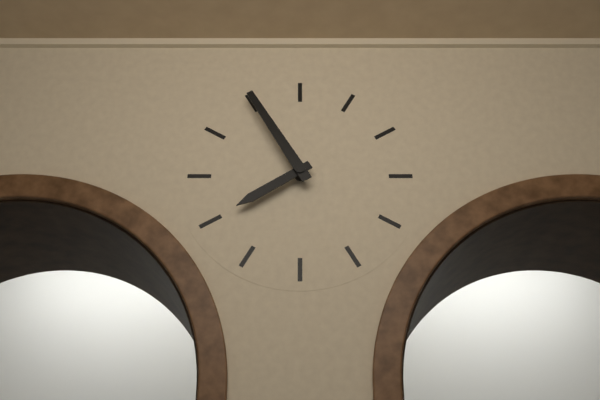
{"hour": 7, "minute": 55}
